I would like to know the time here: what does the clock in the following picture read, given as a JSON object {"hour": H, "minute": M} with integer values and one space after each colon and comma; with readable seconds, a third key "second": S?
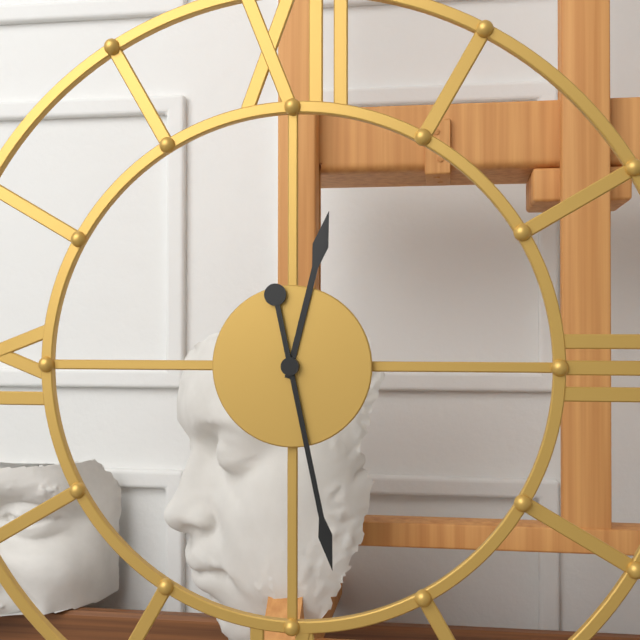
{"hour": 12, "minute": 28}
